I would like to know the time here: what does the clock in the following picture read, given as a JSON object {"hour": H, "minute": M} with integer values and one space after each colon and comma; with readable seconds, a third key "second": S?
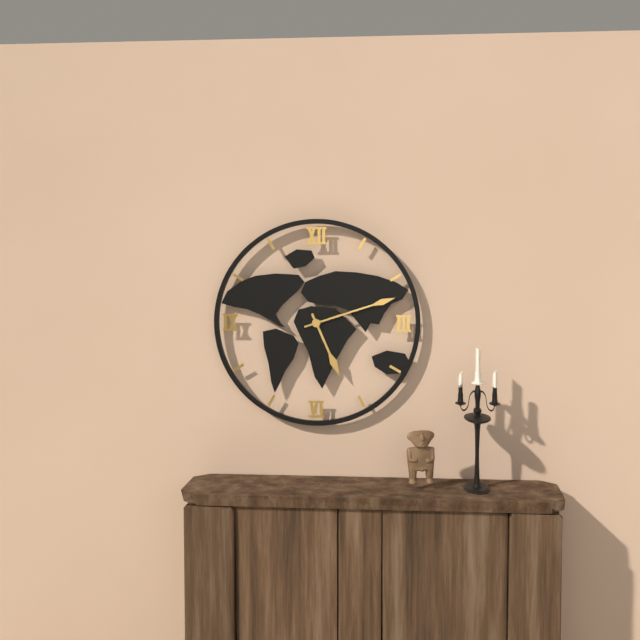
{"hour": 5, "minute": 12}
